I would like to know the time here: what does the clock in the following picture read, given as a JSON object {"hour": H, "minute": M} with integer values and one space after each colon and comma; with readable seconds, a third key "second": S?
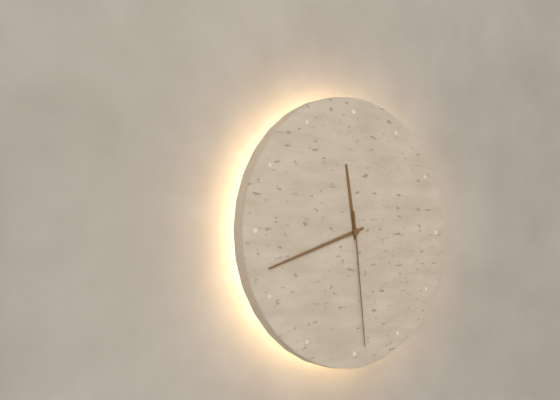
{"hour": 11, "minute": 42, "second": 29}
